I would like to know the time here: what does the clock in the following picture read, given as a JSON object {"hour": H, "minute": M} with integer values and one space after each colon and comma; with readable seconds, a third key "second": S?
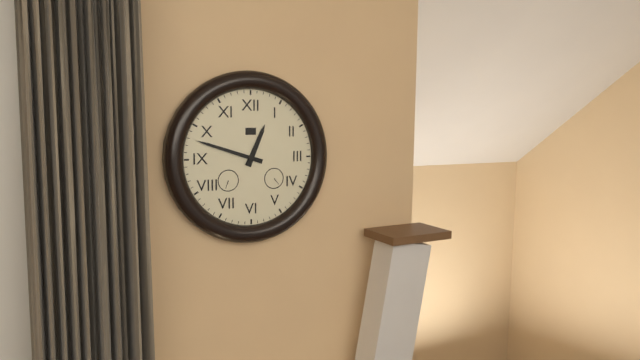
{"hour": 12, "minute": 48}
